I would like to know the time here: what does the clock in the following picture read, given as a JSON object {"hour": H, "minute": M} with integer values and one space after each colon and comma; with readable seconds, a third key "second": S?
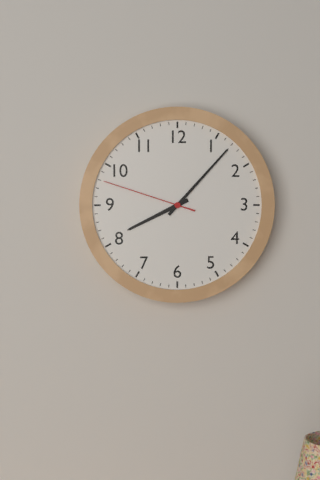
{"hour": 8, "minute": 7, "second": 48}
